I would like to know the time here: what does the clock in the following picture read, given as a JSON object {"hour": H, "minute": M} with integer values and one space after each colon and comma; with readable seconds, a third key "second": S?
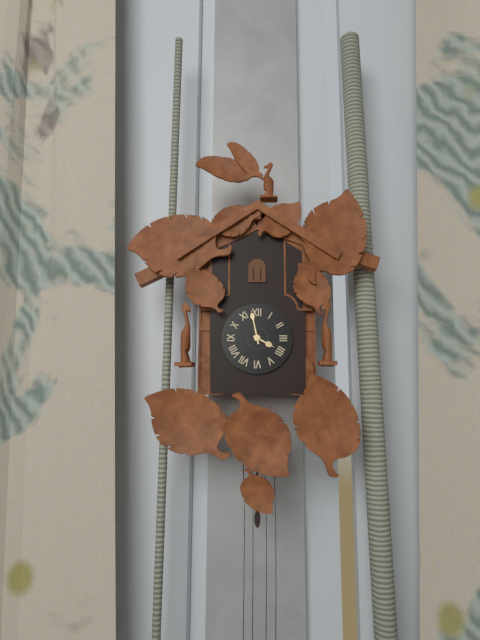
{"hour": 3, "minute": 58}
